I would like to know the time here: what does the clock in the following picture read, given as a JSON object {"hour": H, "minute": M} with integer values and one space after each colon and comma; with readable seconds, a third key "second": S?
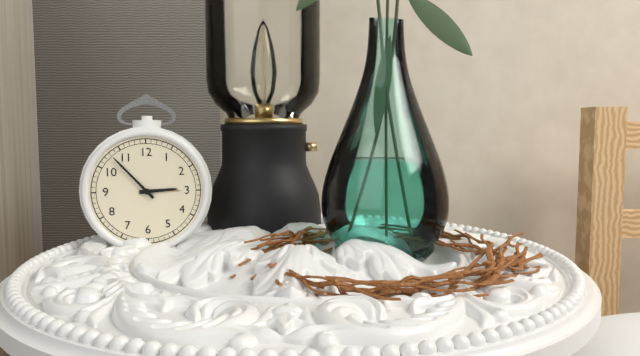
{"hour": 2, "minute": 53}
